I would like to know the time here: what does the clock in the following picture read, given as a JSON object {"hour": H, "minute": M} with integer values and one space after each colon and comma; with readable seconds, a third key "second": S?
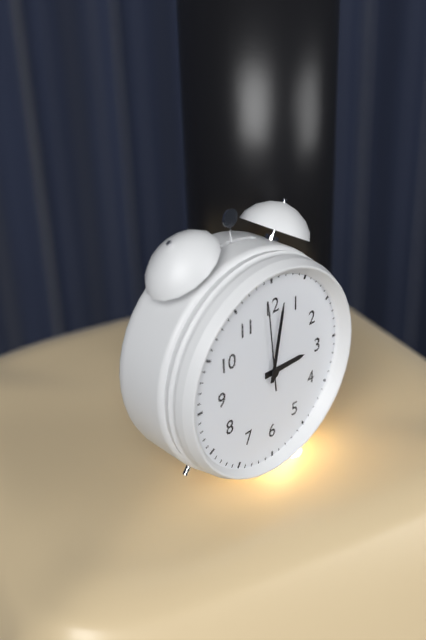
{"hour": 3, "minute": 2, "second": 59}
